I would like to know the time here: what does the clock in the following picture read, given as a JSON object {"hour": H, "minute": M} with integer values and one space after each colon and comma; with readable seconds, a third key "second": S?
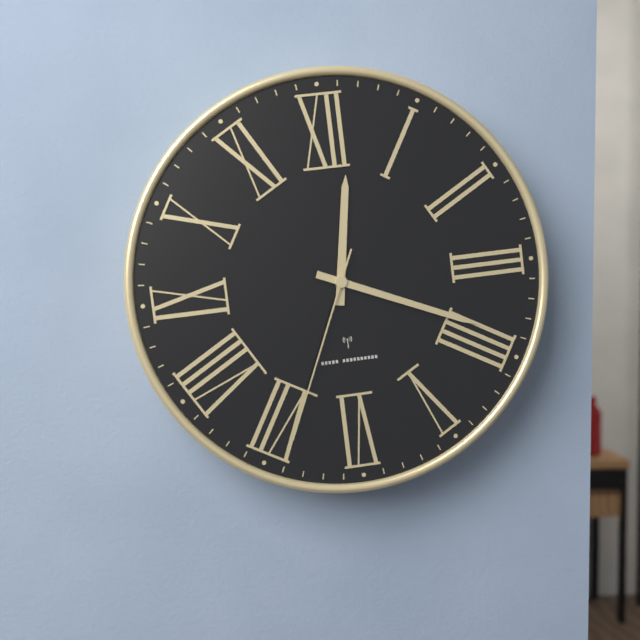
{"hour": 12, "minute": 19, "second": 34}
